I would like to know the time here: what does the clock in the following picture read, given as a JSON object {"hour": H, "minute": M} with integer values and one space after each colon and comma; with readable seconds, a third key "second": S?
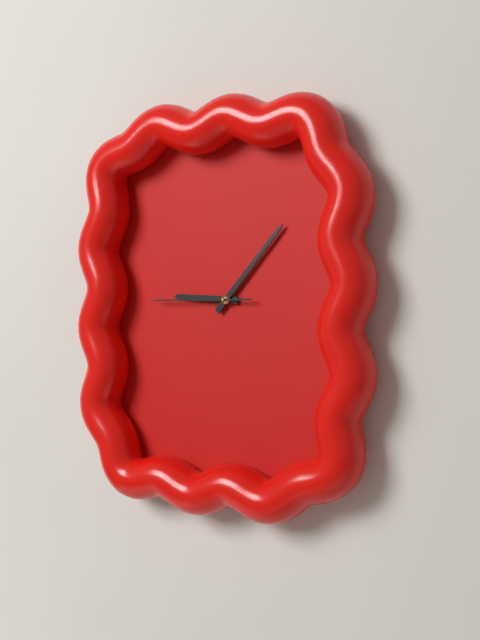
{"hour": 9, "minute": 7, "second": 45}
